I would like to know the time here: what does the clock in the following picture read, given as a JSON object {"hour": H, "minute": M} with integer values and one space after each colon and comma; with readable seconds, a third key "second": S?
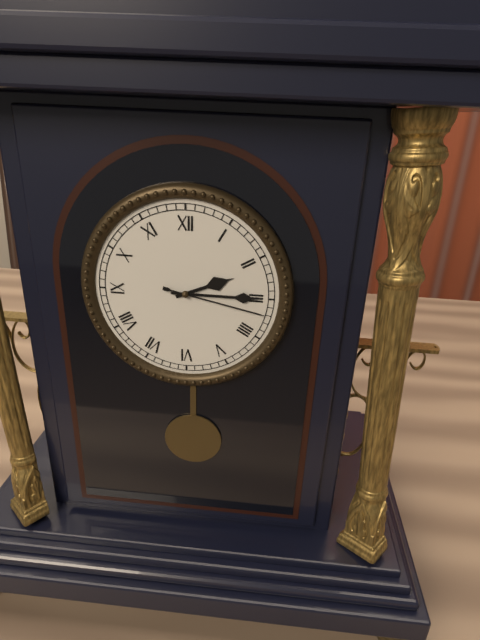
{"hour": 2, "minute": 15, "second": 17}
